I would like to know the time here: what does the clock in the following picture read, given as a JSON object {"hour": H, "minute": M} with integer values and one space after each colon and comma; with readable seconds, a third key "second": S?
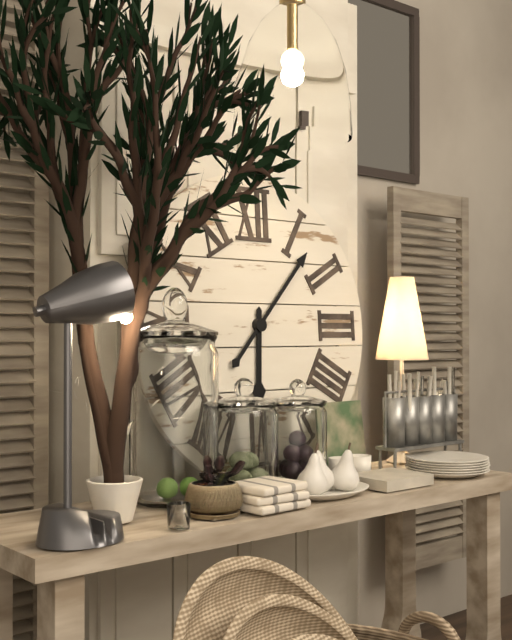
{"hour": 6, "minute": 7}
